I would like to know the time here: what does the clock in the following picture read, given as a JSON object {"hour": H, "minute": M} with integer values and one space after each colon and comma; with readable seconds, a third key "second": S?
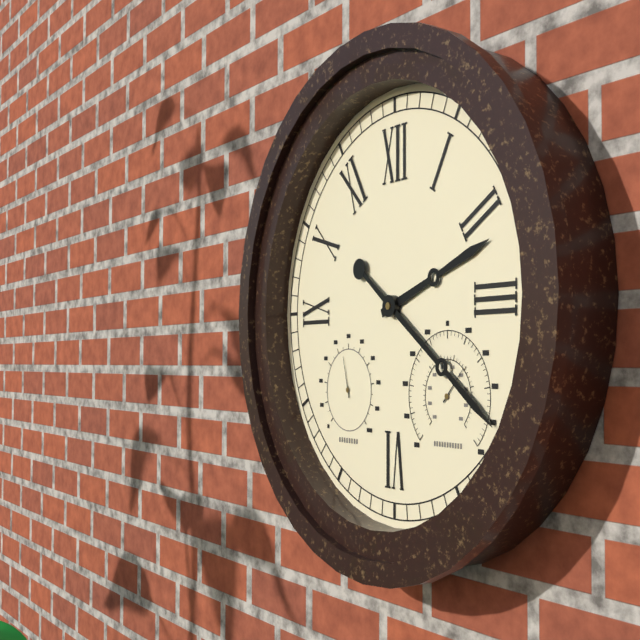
{"hour": 2, "minute": 21}
